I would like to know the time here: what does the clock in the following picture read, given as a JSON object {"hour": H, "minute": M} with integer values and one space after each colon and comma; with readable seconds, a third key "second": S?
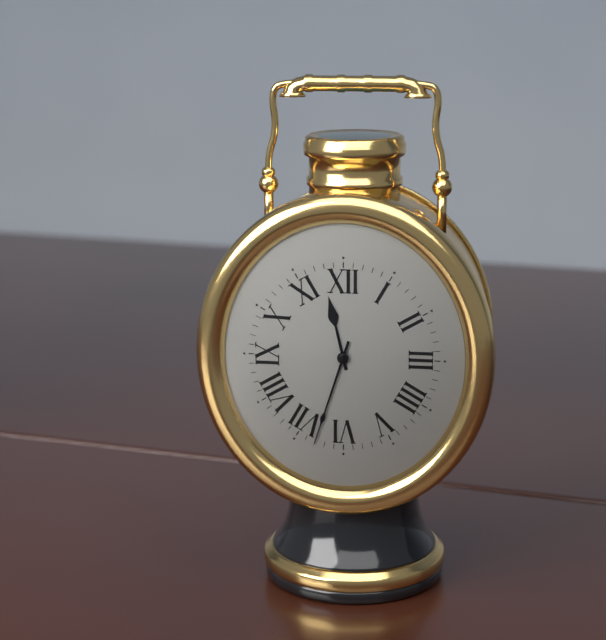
{"hour": 11, "minute": 33}
